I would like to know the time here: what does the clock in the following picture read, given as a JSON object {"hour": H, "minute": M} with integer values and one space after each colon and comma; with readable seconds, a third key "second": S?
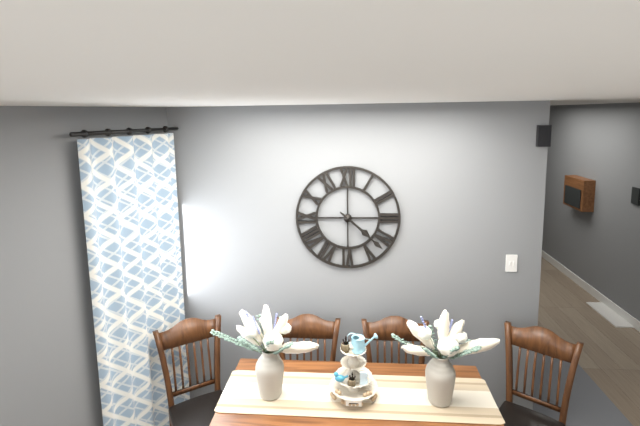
{"hour": 4, "minute": 22}
